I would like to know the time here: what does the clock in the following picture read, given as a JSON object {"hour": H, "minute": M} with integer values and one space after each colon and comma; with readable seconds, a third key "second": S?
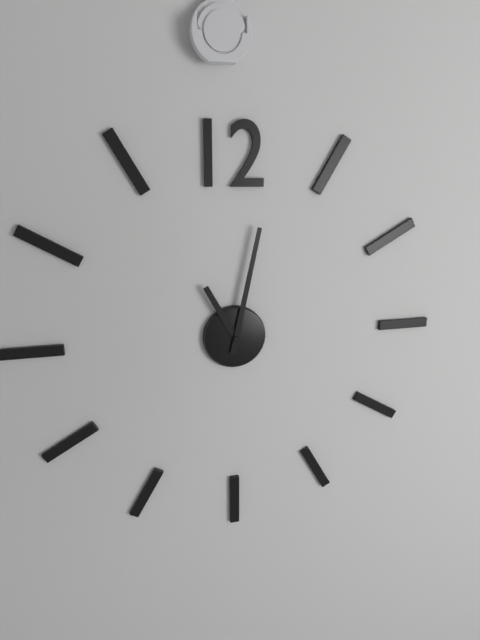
{"hour": 11, "minute": 2}
